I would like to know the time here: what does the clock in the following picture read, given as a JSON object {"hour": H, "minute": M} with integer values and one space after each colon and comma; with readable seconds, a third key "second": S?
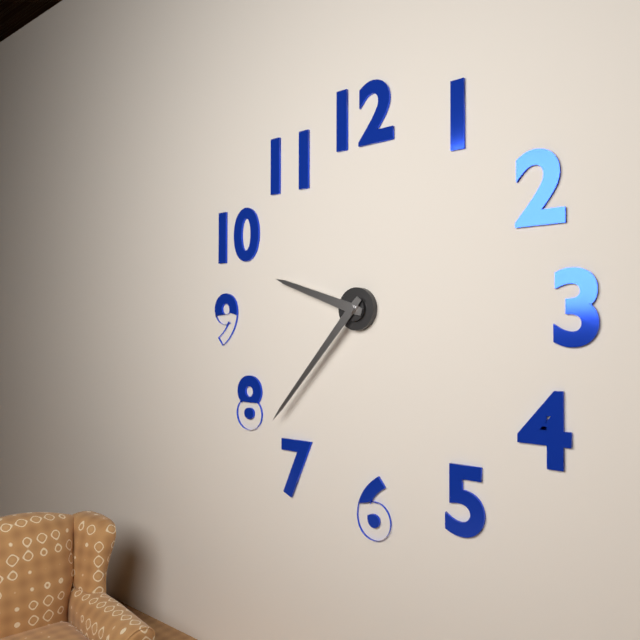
{"hour": 9, "minute": 37}
